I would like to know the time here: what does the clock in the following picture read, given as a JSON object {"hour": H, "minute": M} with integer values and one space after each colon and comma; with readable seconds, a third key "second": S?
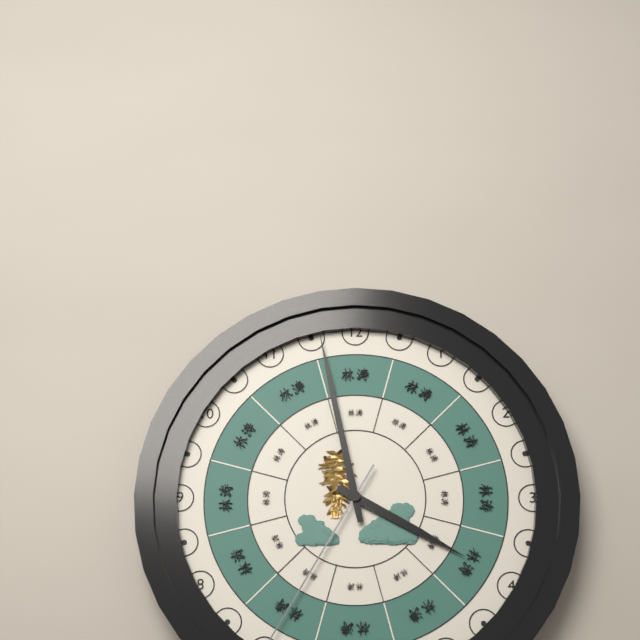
{"hour": 3, "minute": 58}
